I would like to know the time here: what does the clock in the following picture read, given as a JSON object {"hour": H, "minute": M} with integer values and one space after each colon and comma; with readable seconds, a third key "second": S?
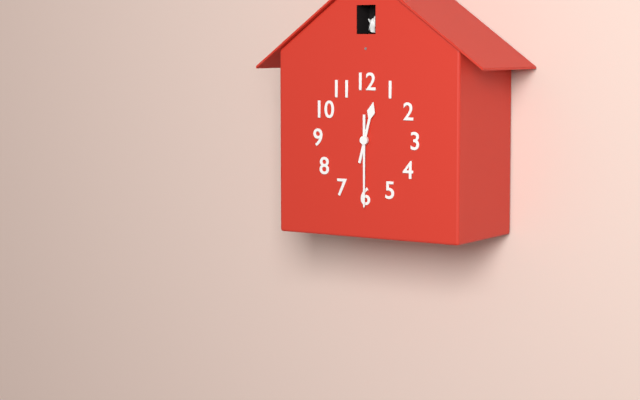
{"hour": 12, "minute": 30}
